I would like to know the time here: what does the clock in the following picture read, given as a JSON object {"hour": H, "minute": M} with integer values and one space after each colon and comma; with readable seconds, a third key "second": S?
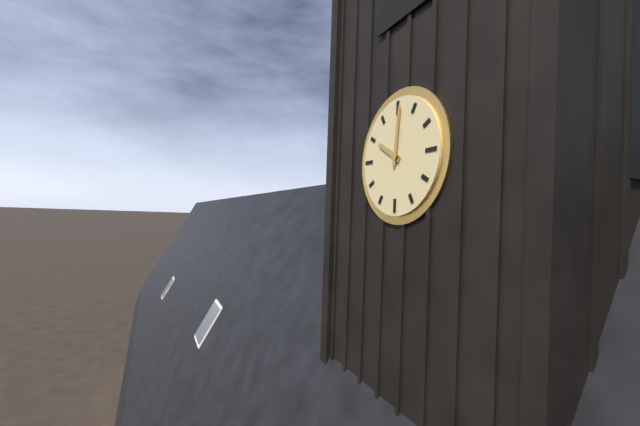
{"hour": 10, "minute": 1}
